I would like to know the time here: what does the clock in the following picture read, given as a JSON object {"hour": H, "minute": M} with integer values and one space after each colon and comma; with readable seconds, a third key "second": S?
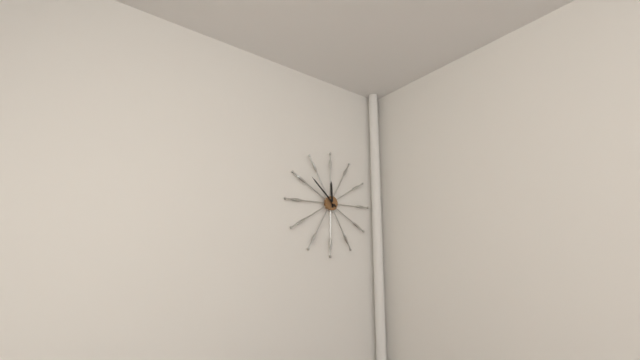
{"hour": 11, "minute": 52}
